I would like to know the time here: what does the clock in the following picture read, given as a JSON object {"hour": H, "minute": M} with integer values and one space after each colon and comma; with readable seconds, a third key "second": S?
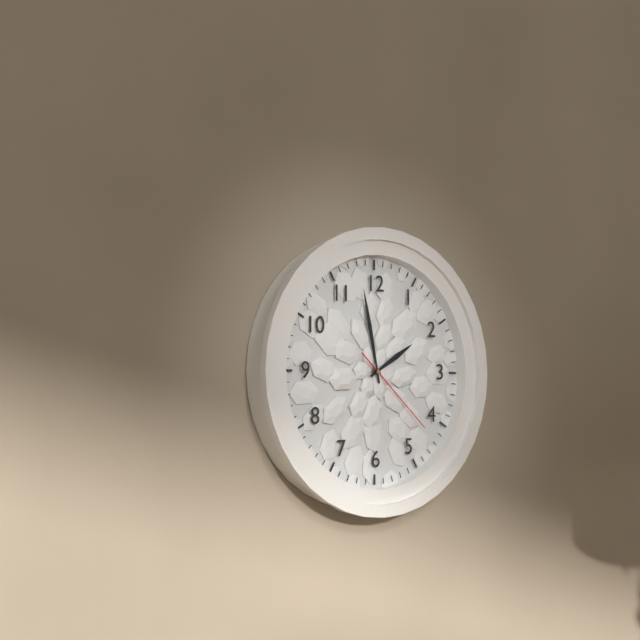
{"hour": 1, "minute": 58, "second": 22}
